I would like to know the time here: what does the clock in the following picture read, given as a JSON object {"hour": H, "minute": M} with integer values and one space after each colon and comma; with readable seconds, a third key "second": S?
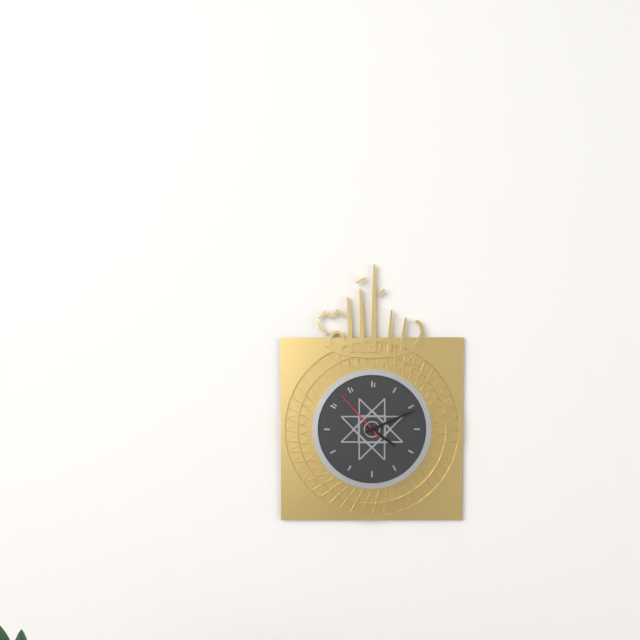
{"hour": 4, "minute": 11, "second": 53}
